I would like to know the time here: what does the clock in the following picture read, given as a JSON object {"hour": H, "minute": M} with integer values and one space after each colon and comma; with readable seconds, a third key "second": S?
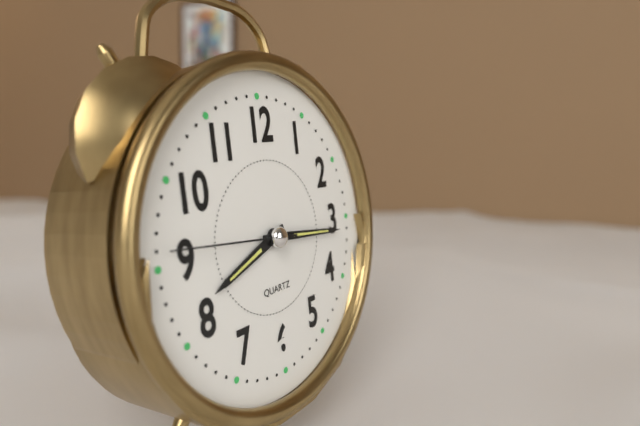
{"hour": 8, "minute": 16, "second": 46}
